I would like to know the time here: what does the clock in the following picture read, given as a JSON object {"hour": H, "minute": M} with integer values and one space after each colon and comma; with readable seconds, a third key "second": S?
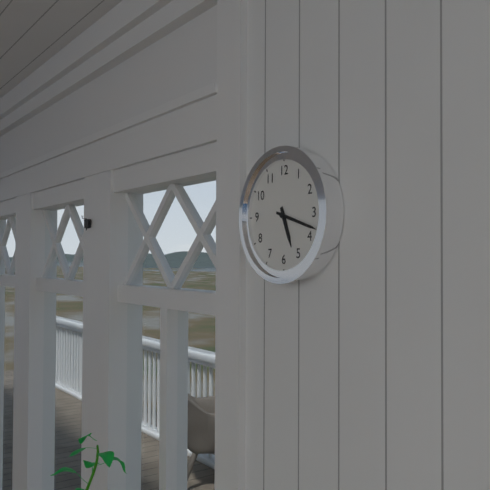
{"hour": 5, "minute": 18}
